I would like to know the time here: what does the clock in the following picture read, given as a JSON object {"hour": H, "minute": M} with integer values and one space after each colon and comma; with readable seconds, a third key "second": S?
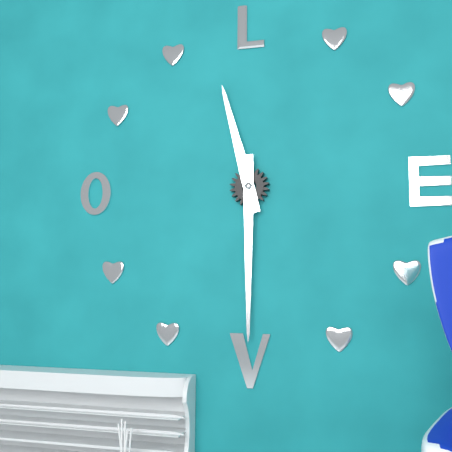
{"hour": 11, "minute": 30}
